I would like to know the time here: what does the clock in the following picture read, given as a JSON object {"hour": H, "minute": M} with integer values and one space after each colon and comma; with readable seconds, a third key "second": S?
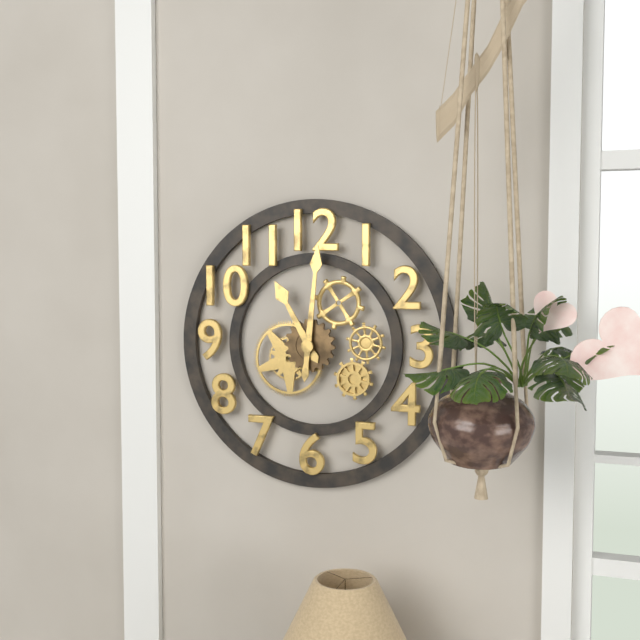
{"hour": 11, "minute": 1}
